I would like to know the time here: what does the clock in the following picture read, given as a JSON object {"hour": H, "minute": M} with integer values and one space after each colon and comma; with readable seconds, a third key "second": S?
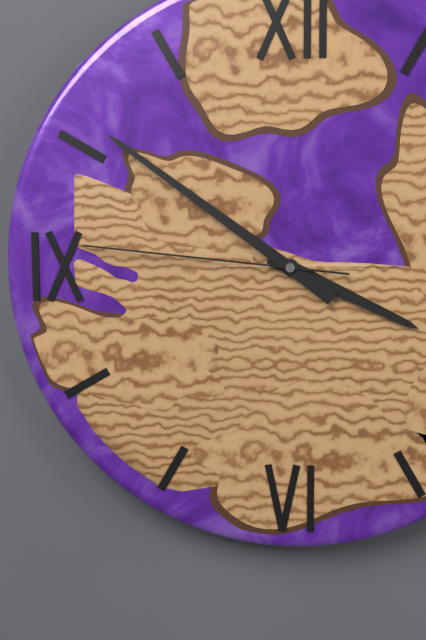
{"hour": 3, "minute": 51, "second": 46}
